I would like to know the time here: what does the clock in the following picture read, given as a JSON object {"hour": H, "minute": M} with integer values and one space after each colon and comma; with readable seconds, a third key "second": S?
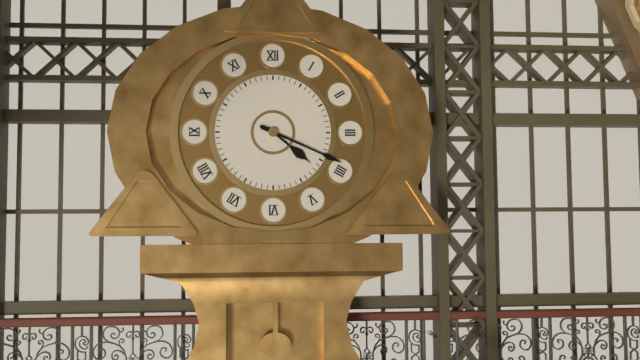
{"hour": 4, "minute": 19}
